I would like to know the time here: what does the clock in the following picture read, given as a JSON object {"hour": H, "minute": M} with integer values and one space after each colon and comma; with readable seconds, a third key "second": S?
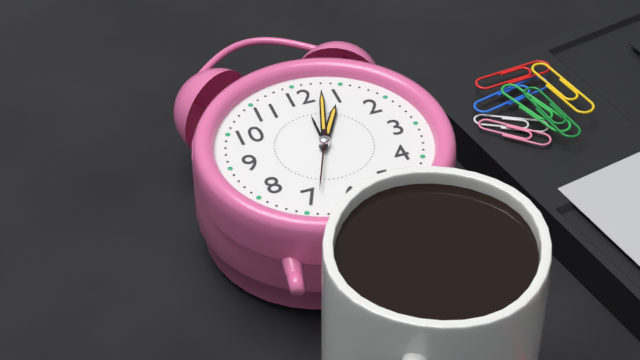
{"hour": 1, "minute": 3, "second": 34}
